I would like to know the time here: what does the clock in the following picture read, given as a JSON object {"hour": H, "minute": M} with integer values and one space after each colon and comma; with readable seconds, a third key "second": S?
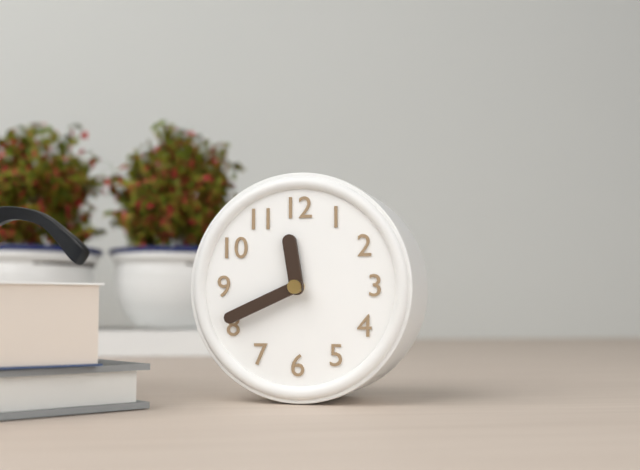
{"hour": 11, "minute": 41}
